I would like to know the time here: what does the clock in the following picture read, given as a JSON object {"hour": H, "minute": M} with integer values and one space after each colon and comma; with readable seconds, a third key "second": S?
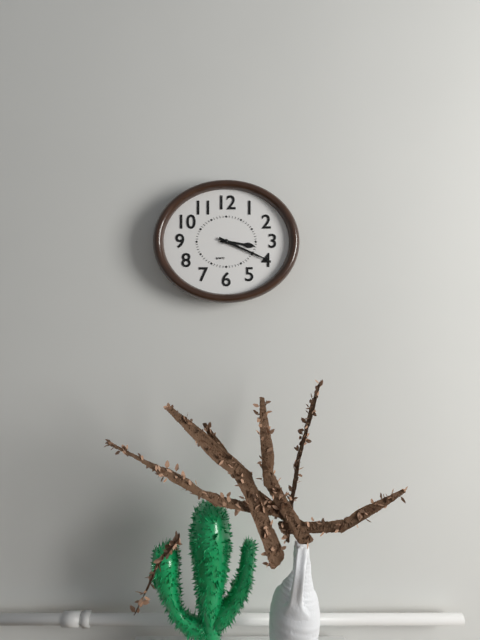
{"hour": 3, "minute": 19}
